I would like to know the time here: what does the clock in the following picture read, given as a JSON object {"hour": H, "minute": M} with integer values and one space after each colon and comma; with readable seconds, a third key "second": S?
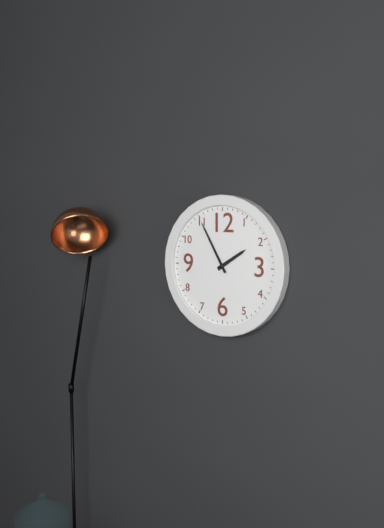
{"hour": 1, "minute": 55}
